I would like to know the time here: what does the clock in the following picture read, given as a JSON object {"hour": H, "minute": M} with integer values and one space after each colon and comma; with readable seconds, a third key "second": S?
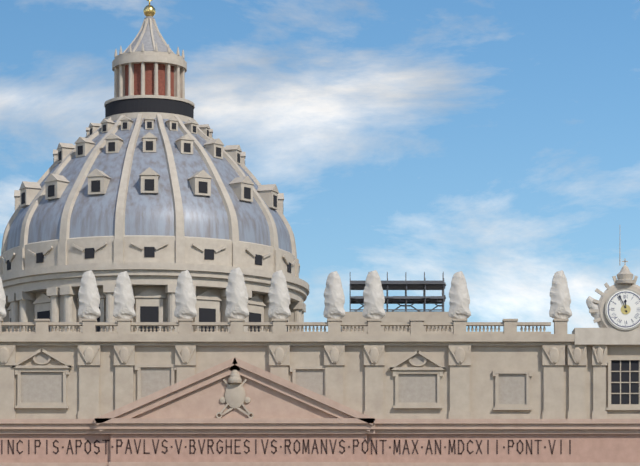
{"hour": 11, "minute": 56}
